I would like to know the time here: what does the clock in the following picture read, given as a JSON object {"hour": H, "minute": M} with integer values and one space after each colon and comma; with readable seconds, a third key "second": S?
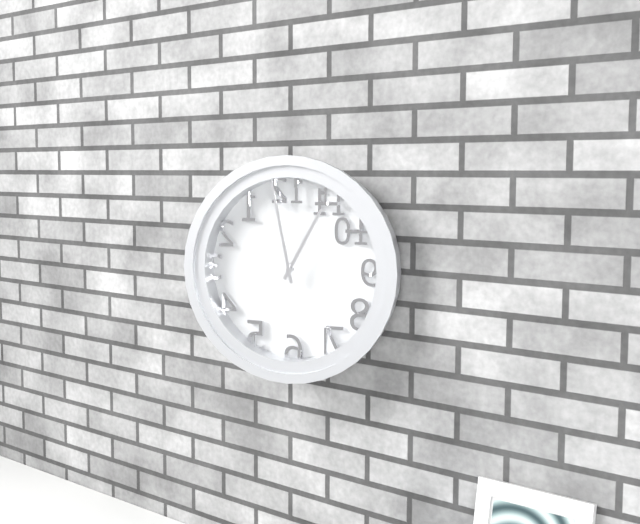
{"hour": 12, "minute": 58}
